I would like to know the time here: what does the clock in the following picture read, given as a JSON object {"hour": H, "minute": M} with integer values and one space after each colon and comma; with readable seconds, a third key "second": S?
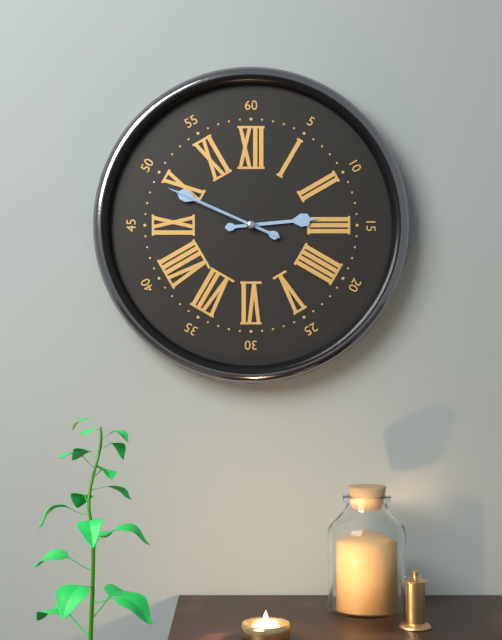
{"hour": 2, "minute": 49, "second": 49}
